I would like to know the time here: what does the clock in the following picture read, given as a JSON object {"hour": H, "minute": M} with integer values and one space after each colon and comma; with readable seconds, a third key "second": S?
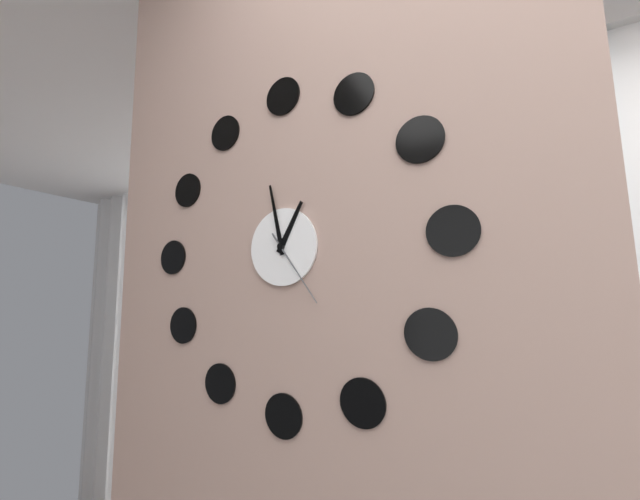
{"hour": 12, "minute": 58, "second": 24}
